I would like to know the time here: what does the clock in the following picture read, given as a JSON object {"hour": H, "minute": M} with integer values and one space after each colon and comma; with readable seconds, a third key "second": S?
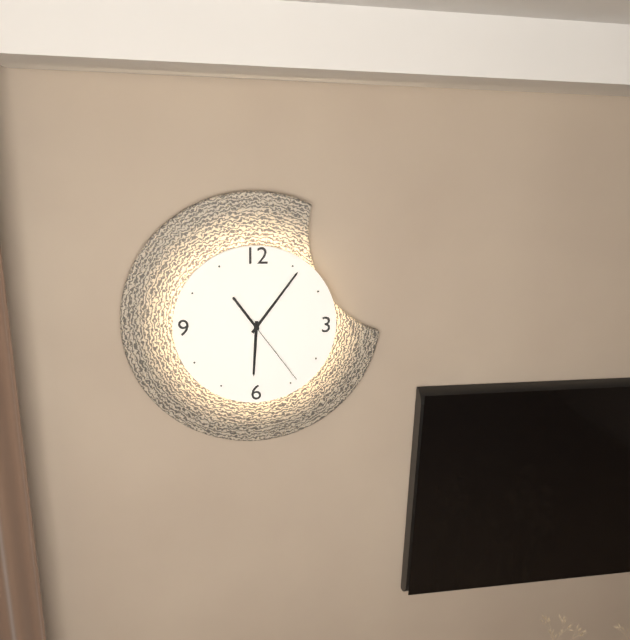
{"hour": 6, "minute": 6, "second": 24}
